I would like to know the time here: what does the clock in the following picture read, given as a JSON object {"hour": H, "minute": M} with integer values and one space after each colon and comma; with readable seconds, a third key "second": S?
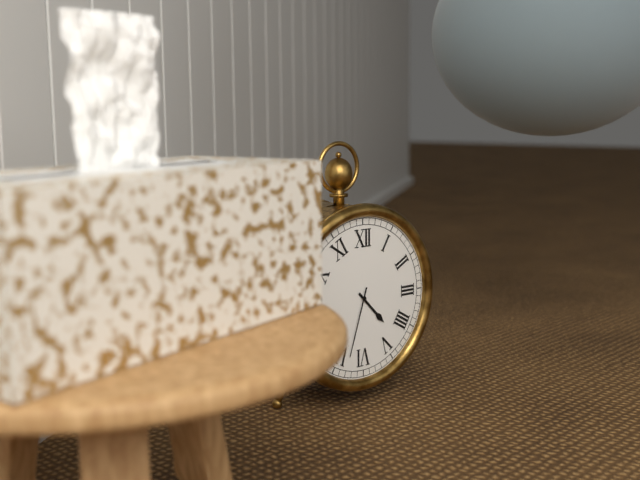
{"hour": 4, "minute": 33}
